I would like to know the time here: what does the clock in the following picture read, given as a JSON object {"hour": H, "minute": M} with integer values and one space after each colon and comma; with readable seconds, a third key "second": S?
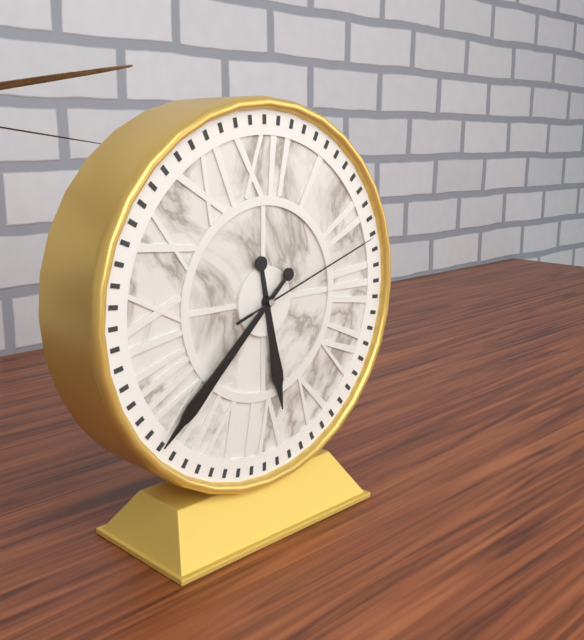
{"hour": 5, "minute": 38, "second": 12}
